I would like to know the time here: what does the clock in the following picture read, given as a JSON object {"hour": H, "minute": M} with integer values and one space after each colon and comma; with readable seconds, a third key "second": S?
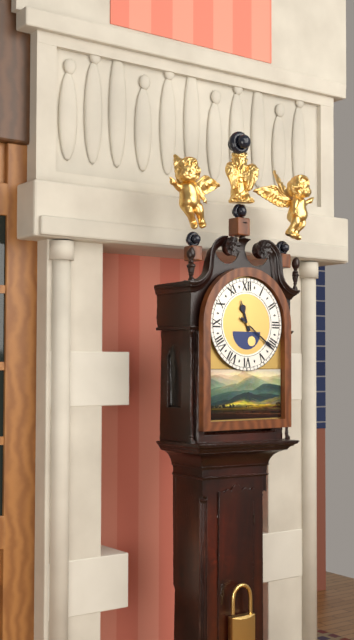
{"hour": 11, "minute": 21}
